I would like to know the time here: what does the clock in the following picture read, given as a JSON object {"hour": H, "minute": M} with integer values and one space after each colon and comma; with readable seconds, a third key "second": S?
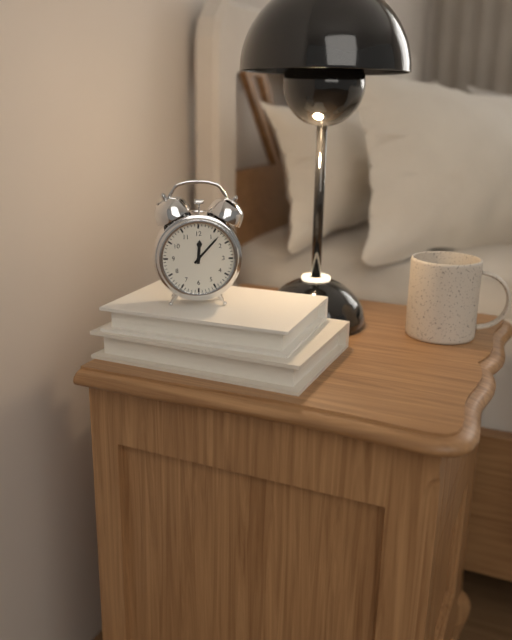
{"hour": 12, "minute": 7}
